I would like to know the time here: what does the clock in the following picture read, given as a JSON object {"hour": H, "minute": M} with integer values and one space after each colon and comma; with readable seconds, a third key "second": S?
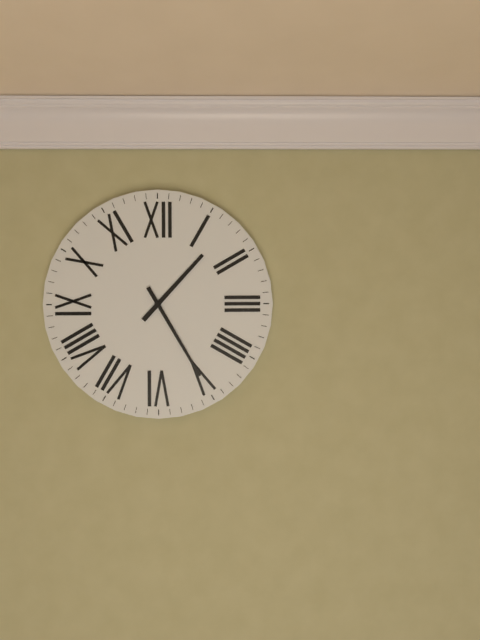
{"hour": 1, "minute": 25}
